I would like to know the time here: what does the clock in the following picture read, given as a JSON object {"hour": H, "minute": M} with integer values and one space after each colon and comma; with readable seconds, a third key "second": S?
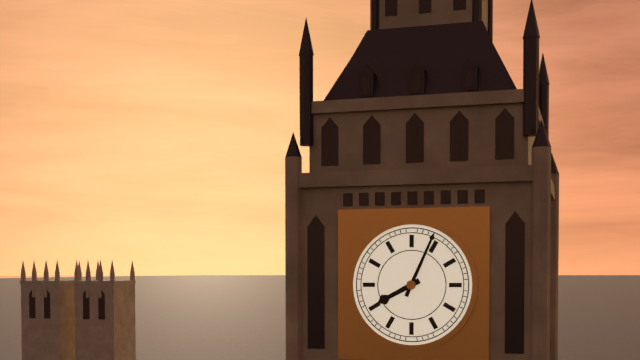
{"hour": 8, "minute": 4}
